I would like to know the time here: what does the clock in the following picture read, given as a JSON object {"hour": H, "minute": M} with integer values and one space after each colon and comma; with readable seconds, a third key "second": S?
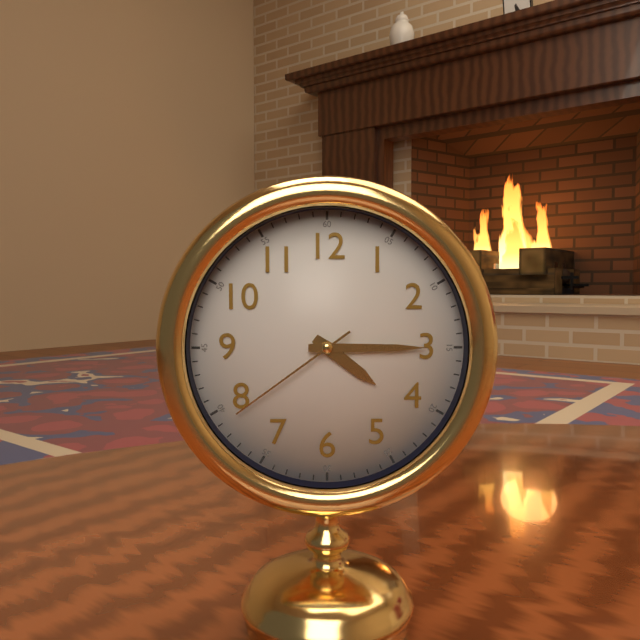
{"hour": 4, "minute": 15, "second": 39}
